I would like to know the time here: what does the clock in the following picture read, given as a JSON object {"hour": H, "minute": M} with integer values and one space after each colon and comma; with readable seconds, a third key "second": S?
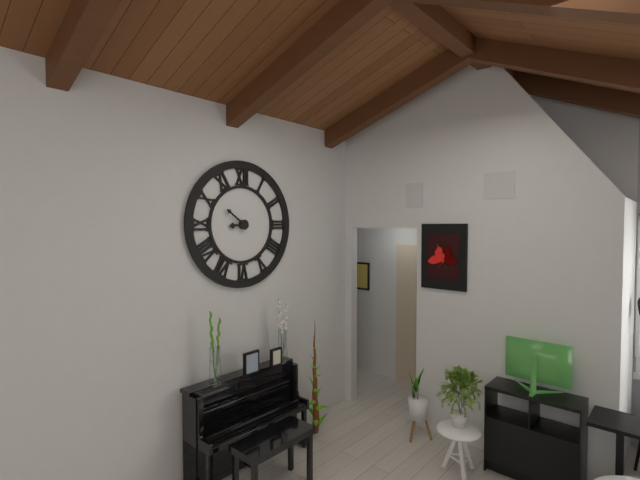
{"hour": 8, "minute": 51}
